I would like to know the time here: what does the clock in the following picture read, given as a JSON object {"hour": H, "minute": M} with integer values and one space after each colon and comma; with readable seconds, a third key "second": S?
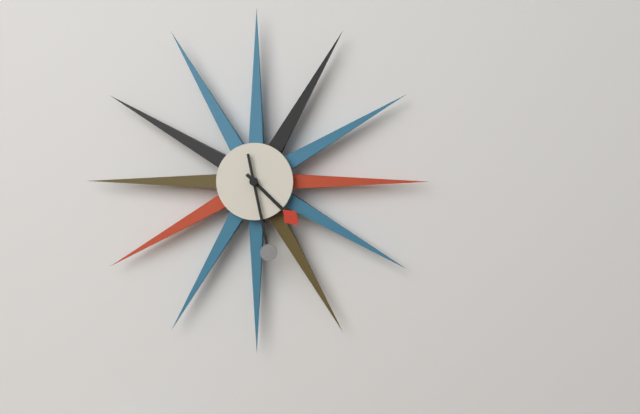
{"hour": 4, "minute": 28}
